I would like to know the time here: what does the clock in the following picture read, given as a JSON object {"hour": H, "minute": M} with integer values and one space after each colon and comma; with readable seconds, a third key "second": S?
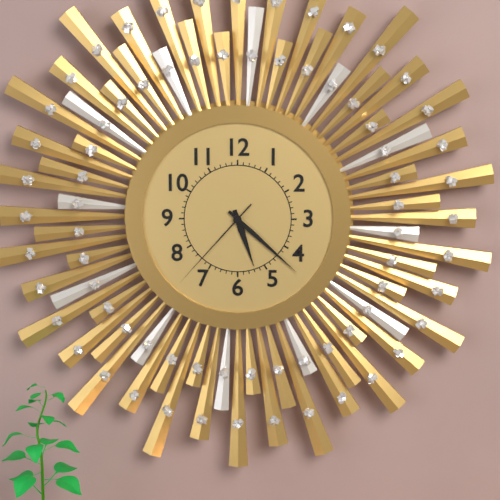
{"hour": 5, "minute": 22, "second": 37}
